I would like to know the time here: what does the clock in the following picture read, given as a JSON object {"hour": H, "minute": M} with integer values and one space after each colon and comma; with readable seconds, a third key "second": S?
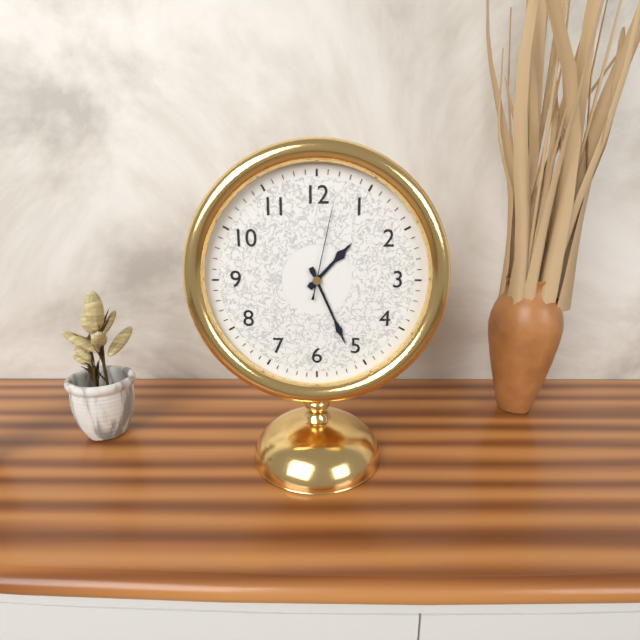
{"hour": 1, "minute": 26, "second": 2}
